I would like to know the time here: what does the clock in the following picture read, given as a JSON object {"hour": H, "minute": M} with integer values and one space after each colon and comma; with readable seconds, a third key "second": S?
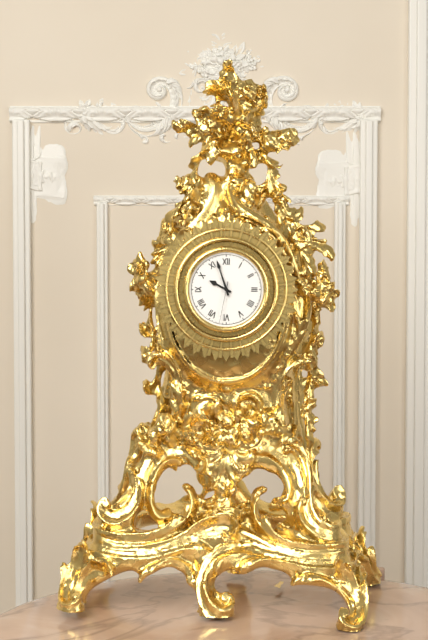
{"hour": 9, "minute": 57}
